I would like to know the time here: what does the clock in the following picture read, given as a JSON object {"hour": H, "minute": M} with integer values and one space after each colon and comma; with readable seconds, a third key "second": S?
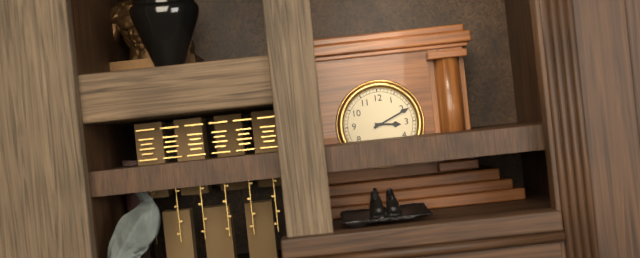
{"hour": 3, "minute": 11}
